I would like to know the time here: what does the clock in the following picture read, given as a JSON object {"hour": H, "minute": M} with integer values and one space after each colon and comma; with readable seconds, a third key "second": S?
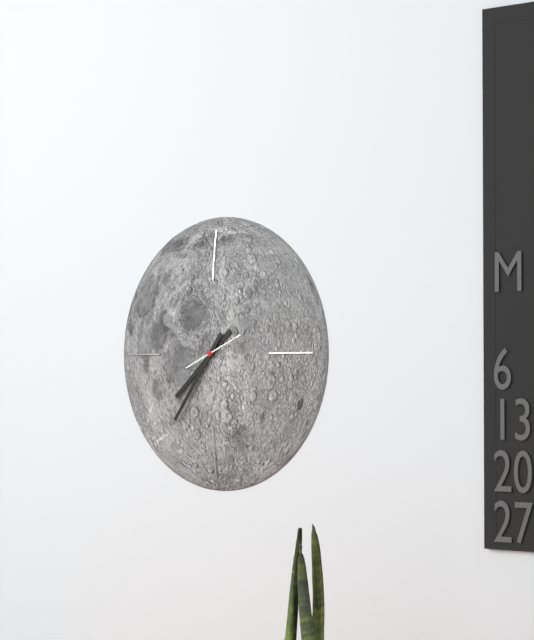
{"hour": 7, "minute": 36}
